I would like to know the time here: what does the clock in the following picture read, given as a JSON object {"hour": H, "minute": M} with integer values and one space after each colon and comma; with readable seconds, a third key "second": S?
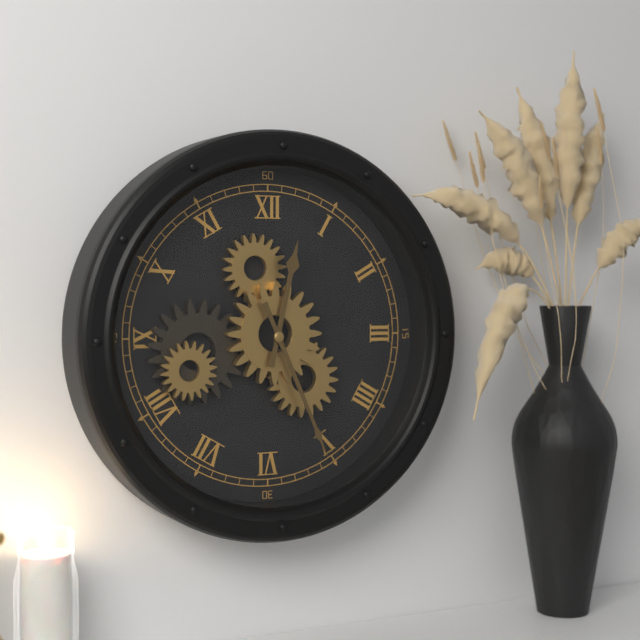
{"hour": 12, "minute": 26}
